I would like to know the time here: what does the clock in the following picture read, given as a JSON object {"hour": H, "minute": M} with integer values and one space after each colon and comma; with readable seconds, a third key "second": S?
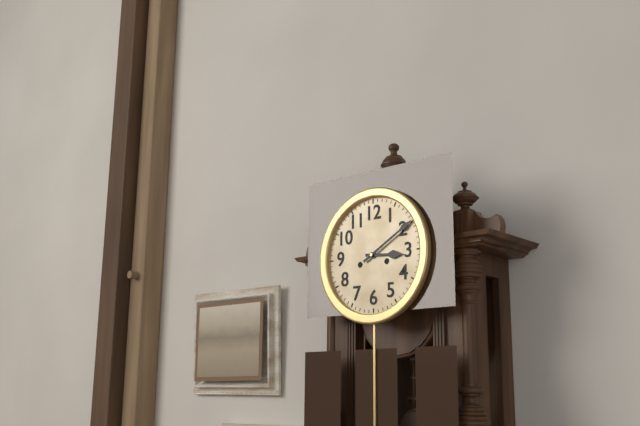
{"hour": 3, "minute": 10}
